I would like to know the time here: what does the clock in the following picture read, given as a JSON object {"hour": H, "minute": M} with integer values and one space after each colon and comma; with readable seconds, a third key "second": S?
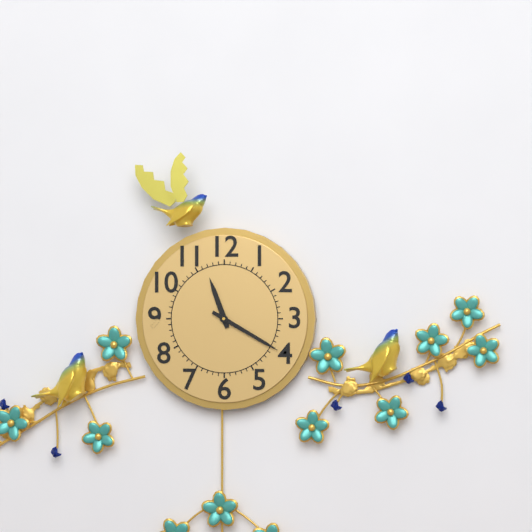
{"hour": 11, "minute": 20}
